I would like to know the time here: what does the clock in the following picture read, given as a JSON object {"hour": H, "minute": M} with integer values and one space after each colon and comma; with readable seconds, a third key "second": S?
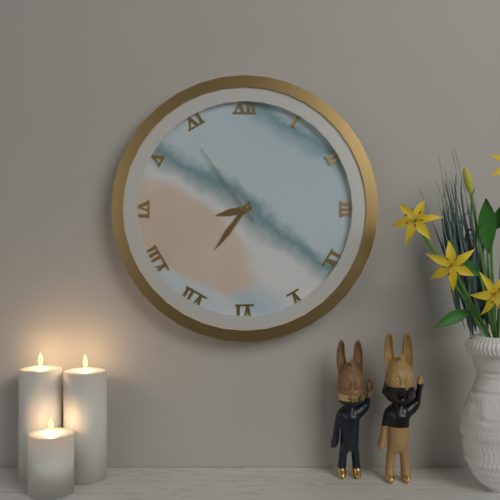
{"hour": 8, "minute": 36, "second": 54}
